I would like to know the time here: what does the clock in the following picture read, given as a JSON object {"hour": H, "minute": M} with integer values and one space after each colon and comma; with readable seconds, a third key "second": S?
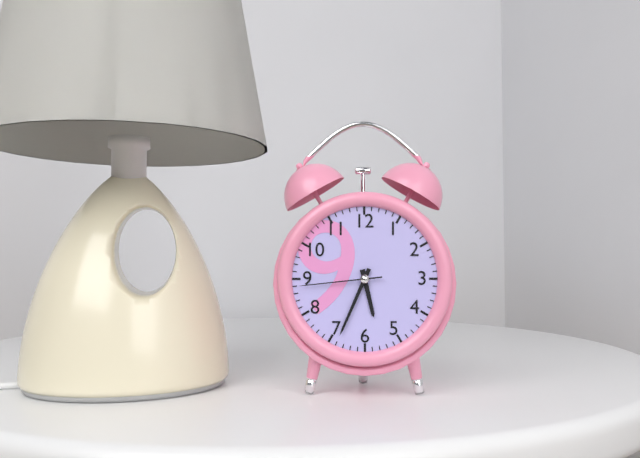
{"hour": 5, "minute": 34, "second": 44}
